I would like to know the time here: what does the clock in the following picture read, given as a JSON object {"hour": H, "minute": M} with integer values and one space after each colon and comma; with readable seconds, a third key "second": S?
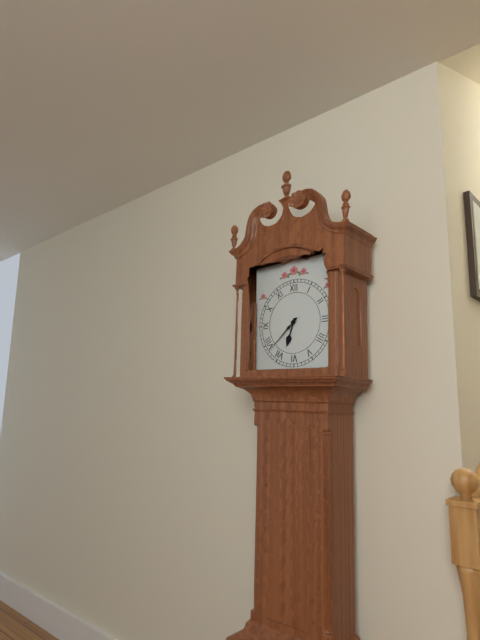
{"hour": 6, "minute": 38}
